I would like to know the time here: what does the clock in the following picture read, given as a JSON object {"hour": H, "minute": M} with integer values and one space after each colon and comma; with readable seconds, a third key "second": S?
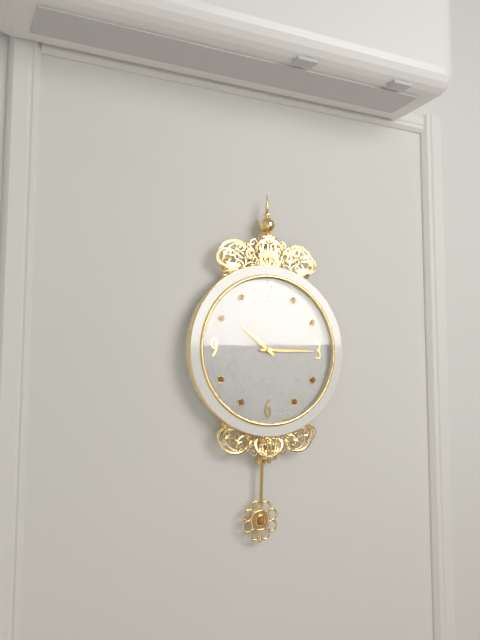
{"hour": 10, "minute": 15}
